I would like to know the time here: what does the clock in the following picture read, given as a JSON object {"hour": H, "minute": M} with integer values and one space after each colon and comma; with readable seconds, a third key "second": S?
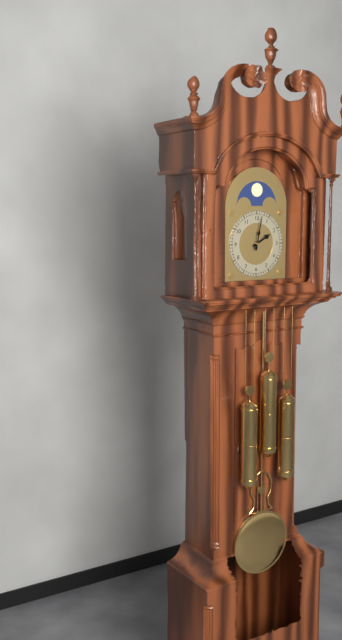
{"hour": 2, "minute": 2}
